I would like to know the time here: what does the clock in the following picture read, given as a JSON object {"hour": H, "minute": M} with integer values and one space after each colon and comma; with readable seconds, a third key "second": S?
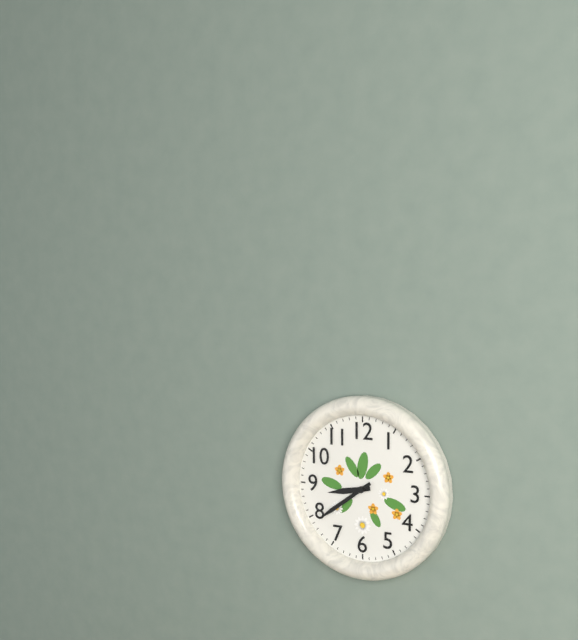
{"hour": 8, "minute": 39}
